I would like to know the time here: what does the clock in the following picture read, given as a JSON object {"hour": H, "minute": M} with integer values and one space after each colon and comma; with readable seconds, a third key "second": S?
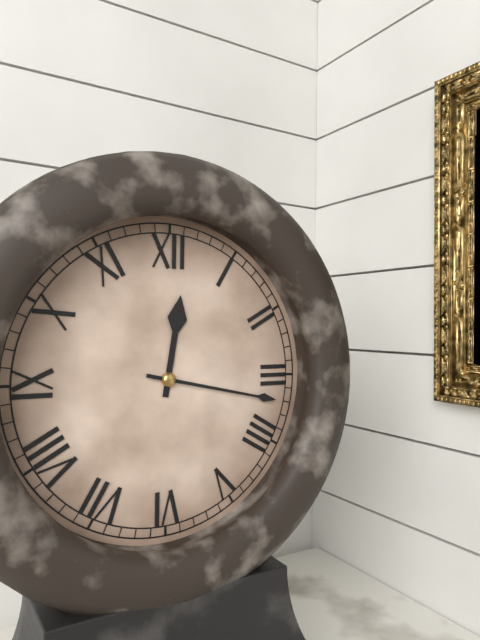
{"hour": 12, "minute": 17}
